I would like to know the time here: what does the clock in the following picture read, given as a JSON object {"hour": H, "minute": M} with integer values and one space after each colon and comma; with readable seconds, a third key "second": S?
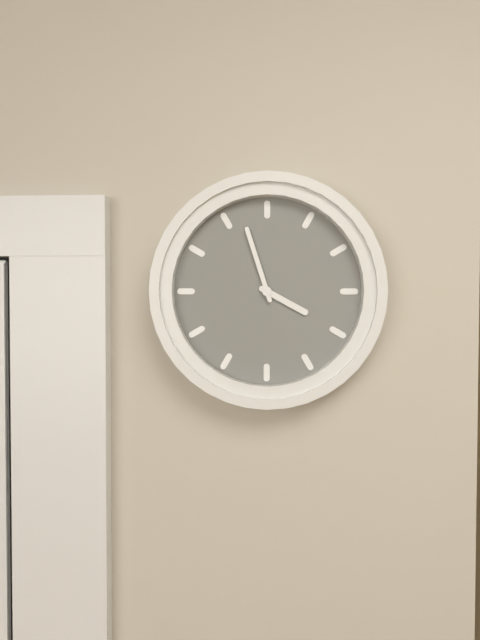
{"hour": 3, "minute": 57}
